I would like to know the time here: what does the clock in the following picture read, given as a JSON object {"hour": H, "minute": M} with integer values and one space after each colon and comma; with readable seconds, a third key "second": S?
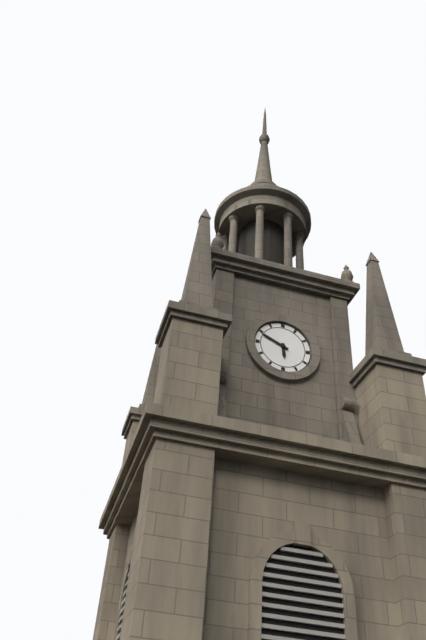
{"hour": 5, "minute": 49}
